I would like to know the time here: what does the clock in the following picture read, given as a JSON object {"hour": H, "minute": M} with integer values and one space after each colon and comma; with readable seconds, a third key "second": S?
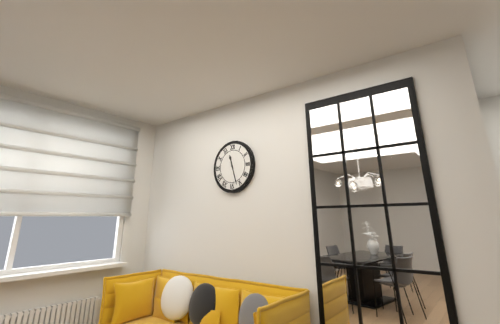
{"hour": 11, "minute": 27}
